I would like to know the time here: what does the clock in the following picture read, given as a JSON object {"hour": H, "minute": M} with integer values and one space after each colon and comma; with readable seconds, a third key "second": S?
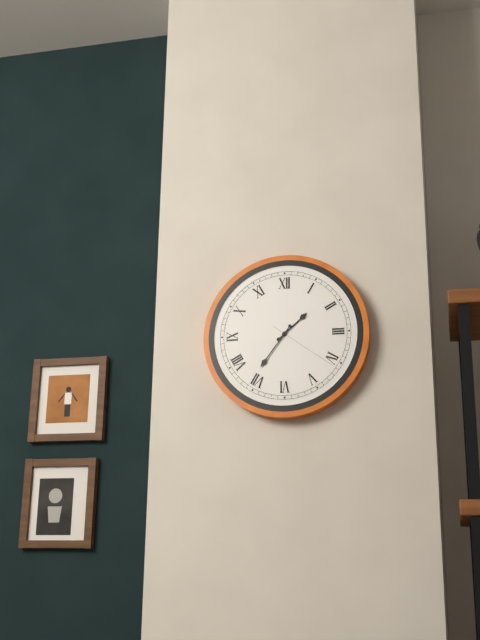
{"hour": 1, "minute": 36, "second": 21}
